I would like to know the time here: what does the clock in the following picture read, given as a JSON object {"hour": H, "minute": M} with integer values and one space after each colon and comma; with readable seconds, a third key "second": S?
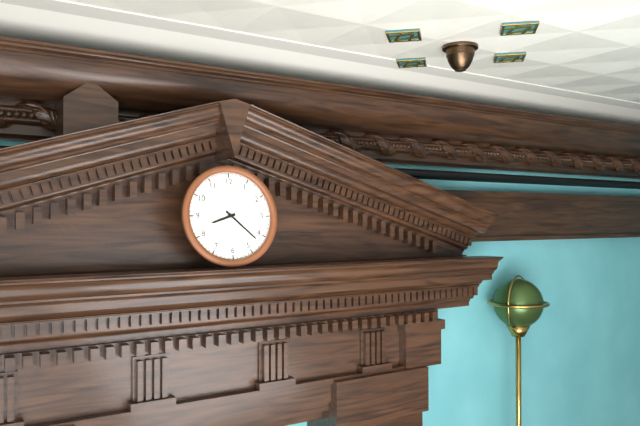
{"hour": 8, "minute": 22}
